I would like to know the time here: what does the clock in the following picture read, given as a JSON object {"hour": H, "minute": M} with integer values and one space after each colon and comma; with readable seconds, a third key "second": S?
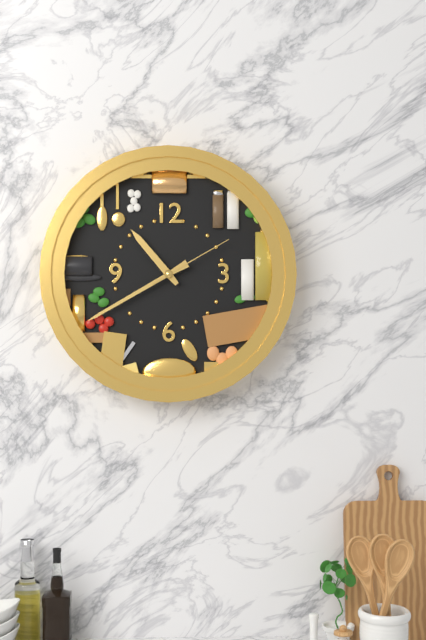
{"hour": 10, "minute": 40, "second": 10}
